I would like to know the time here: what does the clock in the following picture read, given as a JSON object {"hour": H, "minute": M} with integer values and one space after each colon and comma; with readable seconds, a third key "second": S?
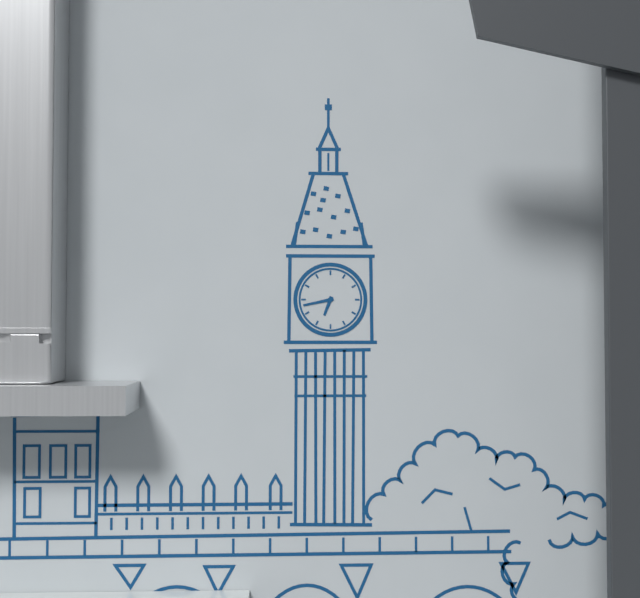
{"hour": 6, "minute": 43}
